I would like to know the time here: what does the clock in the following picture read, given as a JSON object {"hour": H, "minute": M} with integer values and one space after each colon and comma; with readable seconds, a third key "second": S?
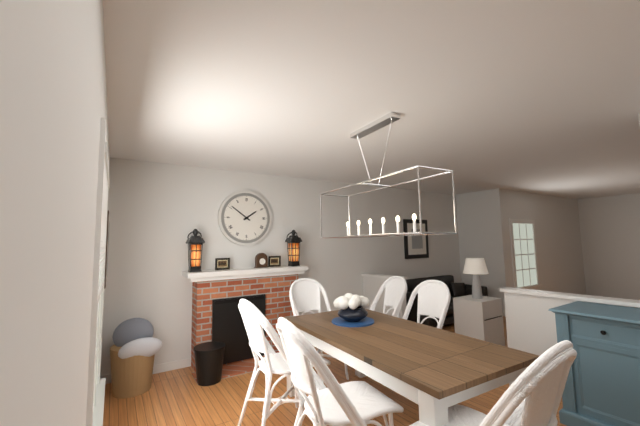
{"hour": 1, "minute": 51}
